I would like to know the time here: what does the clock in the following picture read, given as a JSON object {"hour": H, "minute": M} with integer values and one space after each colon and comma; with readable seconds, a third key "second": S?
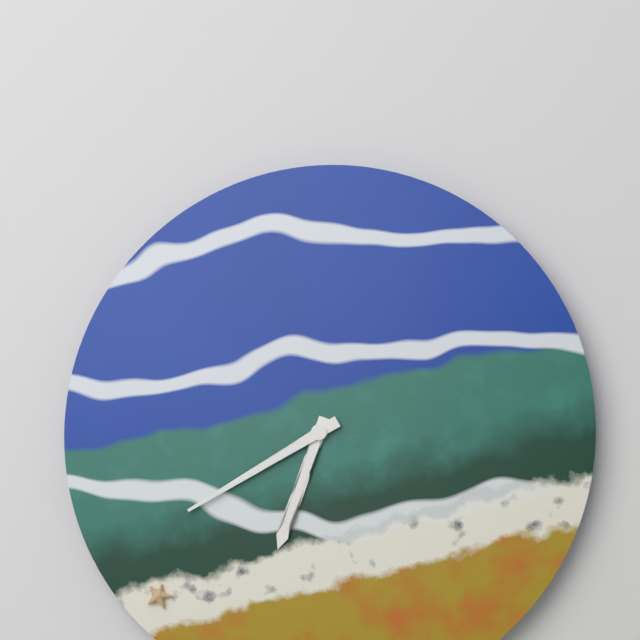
{"hour": 6, "minute": 40}
